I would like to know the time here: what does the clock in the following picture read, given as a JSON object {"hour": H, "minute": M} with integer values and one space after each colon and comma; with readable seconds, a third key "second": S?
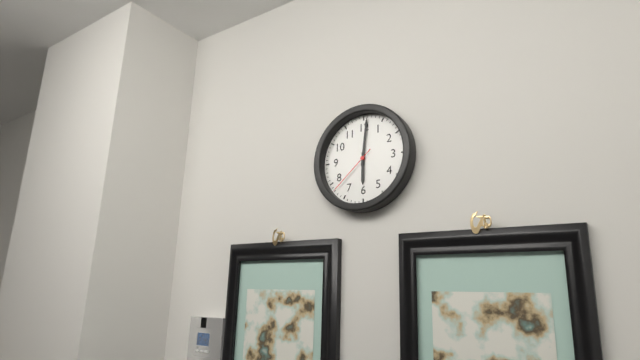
{"hour": 6, "minute": 1, "second": 38}
